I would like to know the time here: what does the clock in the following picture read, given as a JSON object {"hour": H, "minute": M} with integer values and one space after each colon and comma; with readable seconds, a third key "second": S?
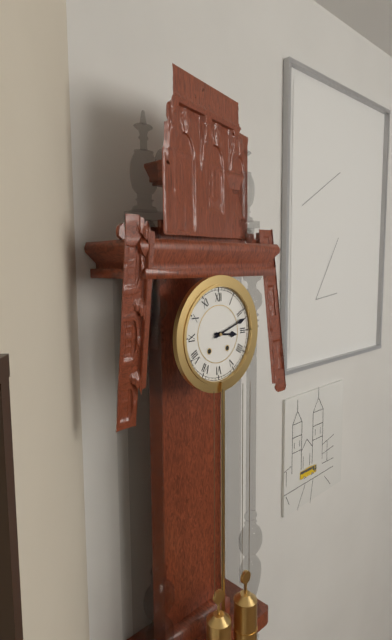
{"hour": 3, "minute": 12}
